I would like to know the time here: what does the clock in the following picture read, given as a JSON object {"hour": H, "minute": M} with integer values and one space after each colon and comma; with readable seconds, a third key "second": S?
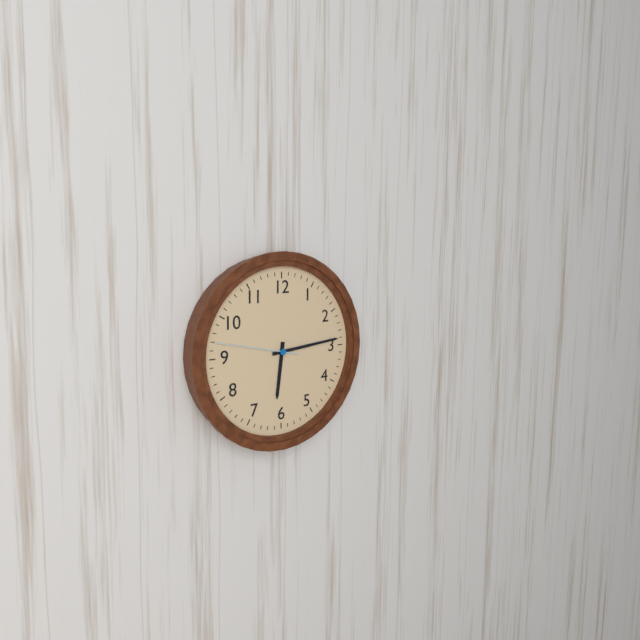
{"hour": 6, "minute": 14, "second": 47}
